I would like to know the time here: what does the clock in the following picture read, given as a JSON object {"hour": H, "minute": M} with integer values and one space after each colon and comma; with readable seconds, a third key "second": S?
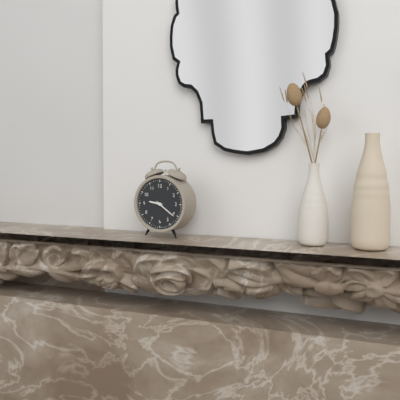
{"hour": 9, "minute": 21}
